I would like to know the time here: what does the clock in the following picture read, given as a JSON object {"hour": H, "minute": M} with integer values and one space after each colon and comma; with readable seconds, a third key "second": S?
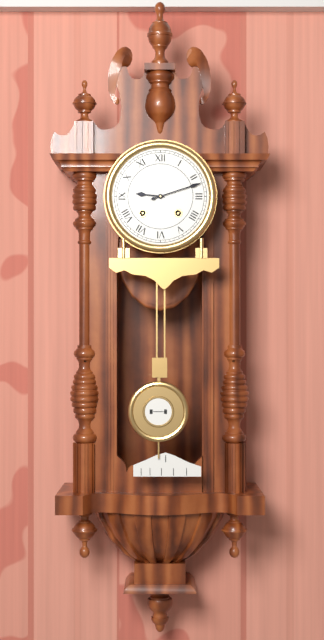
{"hour": 9, "minute": 12}
